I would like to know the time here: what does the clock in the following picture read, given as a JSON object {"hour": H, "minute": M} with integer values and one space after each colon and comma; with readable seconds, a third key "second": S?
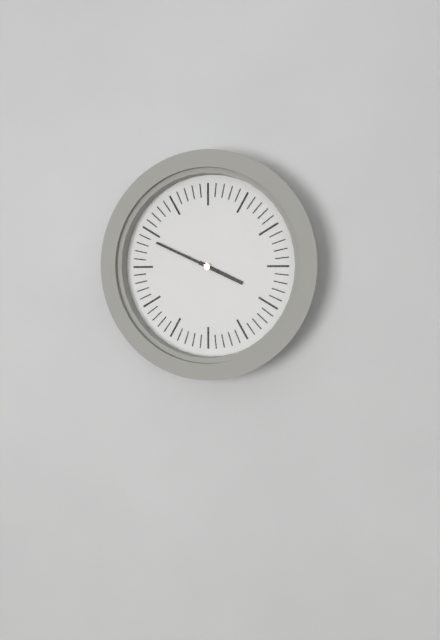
{"hour": 3, "minute": 49}
